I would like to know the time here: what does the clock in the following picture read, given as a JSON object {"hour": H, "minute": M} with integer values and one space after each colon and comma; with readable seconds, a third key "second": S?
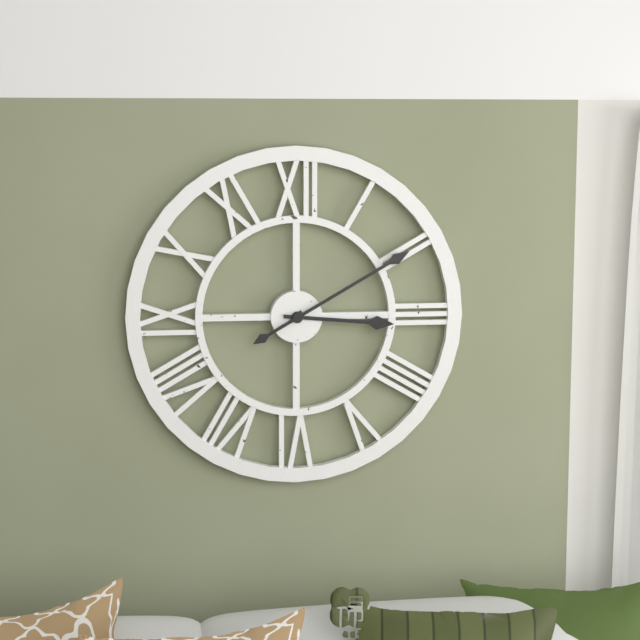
{"hour": 3, "minute": 10}
